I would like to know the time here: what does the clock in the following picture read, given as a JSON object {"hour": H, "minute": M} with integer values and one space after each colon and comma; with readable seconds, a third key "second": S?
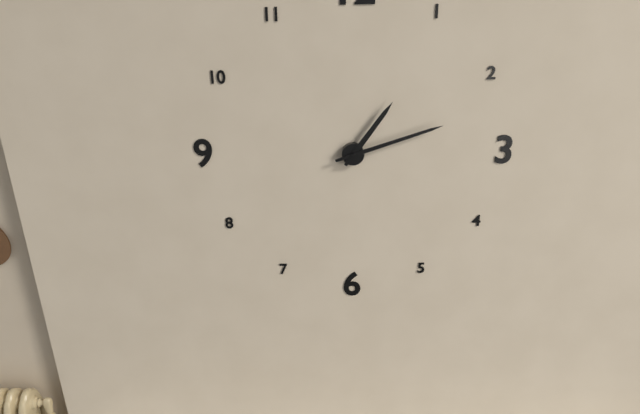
{"hour": 1, "minute": 12}
